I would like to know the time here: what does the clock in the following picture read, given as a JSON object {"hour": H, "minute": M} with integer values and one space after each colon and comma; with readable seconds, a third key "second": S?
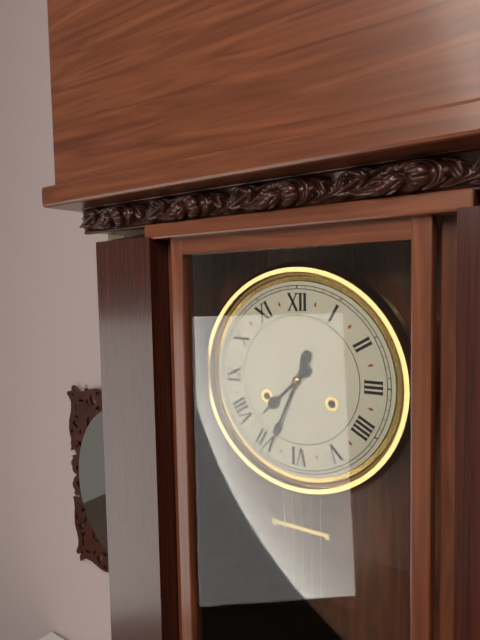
{"hour": 7, "minute": 34}
